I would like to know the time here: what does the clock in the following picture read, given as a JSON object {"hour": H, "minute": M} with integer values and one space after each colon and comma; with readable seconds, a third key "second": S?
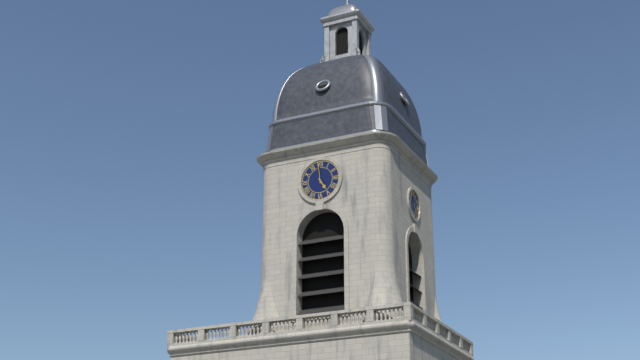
{"hour": 4, "minute": 59}
